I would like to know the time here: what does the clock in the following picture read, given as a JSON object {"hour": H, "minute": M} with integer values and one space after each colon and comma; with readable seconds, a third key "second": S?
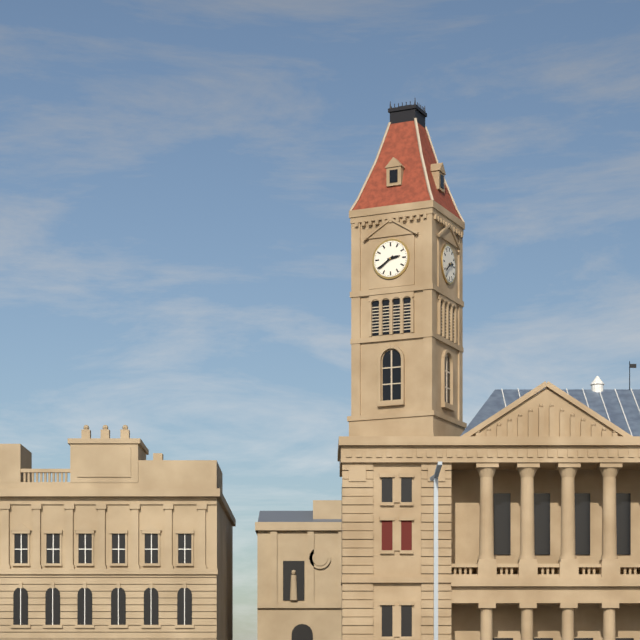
{"hour": 2, "minute": 39}
